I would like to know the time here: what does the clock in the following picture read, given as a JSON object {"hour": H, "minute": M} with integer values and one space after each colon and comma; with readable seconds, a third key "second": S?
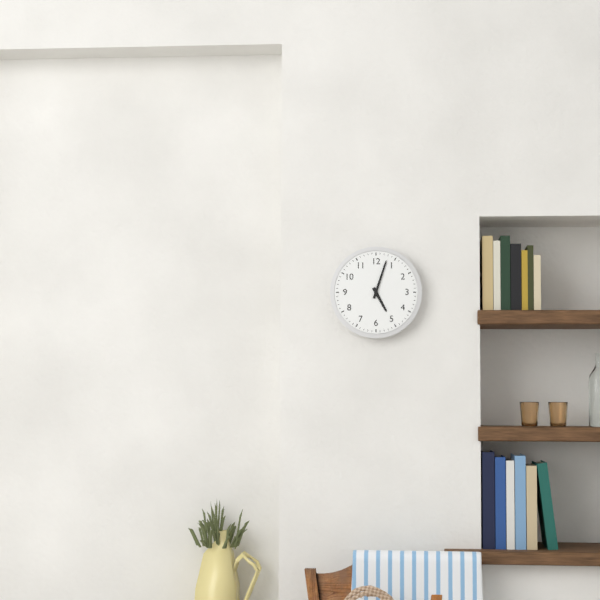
{"hour": 5, "minute": 3}
